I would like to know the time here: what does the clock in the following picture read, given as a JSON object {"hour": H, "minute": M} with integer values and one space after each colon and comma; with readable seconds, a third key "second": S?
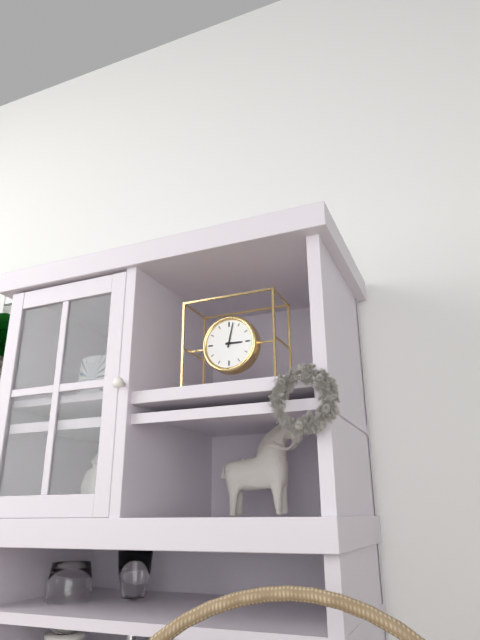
{"hour": 3, "minute": 2}
